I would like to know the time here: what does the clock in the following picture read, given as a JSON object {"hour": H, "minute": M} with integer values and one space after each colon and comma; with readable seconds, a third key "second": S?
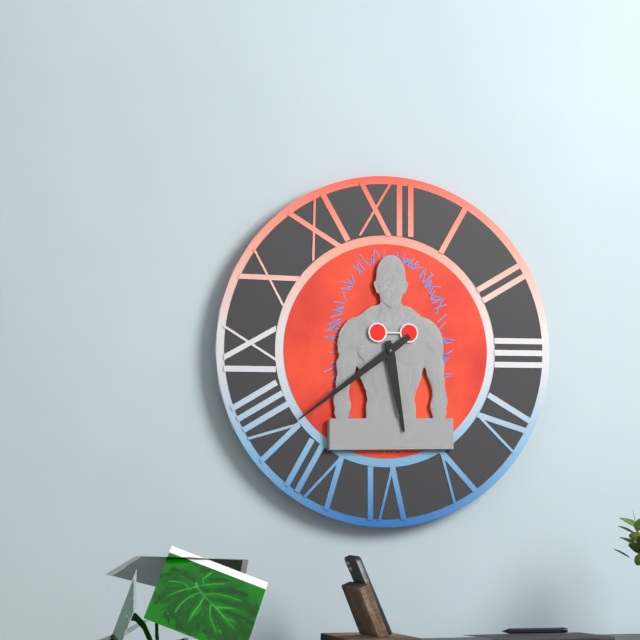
{"hour": 5, "minute": 39}
